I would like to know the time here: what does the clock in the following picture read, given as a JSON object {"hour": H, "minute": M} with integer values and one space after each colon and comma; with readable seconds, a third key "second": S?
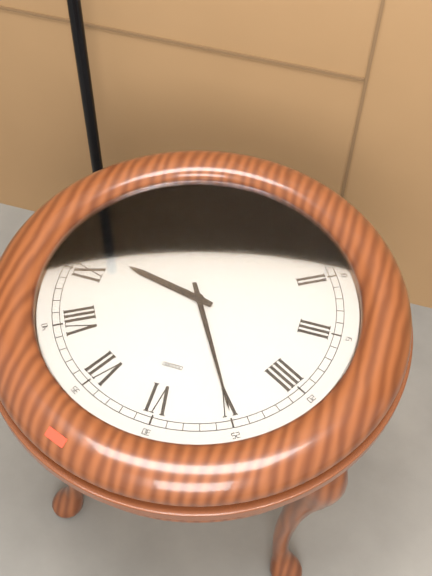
{"hour": 9, "minute": 25}
